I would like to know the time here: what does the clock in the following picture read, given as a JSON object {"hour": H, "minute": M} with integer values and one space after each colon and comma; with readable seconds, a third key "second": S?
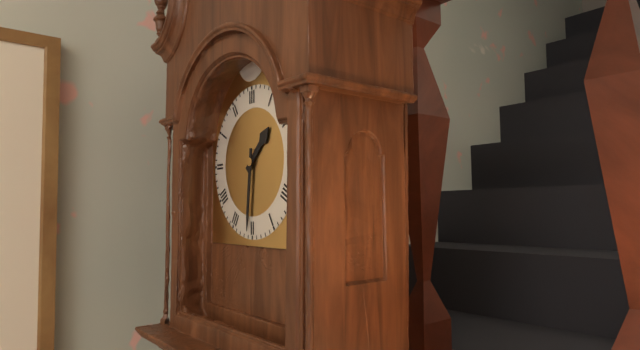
{"hour": 1, "minute": 31}
